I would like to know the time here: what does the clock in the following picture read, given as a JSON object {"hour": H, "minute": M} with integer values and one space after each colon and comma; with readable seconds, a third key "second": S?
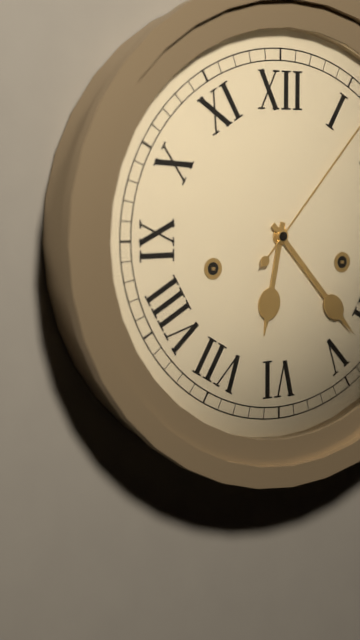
{"hour": 6, "minute": 23}
